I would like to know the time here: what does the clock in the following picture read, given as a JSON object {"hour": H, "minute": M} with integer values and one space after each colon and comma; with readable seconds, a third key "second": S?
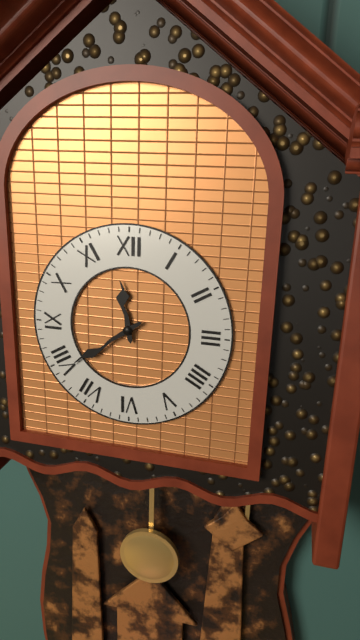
{"hour": 11, "minute": 39}
